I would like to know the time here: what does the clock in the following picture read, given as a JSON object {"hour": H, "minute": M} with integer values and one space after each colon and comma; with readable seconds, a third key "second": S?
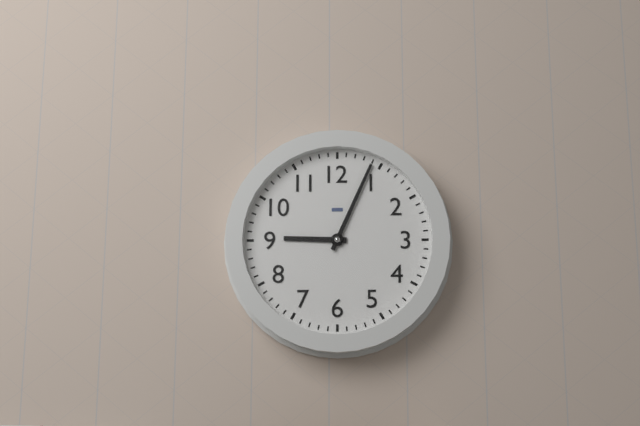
{"hour": 9, "minute": 4}
